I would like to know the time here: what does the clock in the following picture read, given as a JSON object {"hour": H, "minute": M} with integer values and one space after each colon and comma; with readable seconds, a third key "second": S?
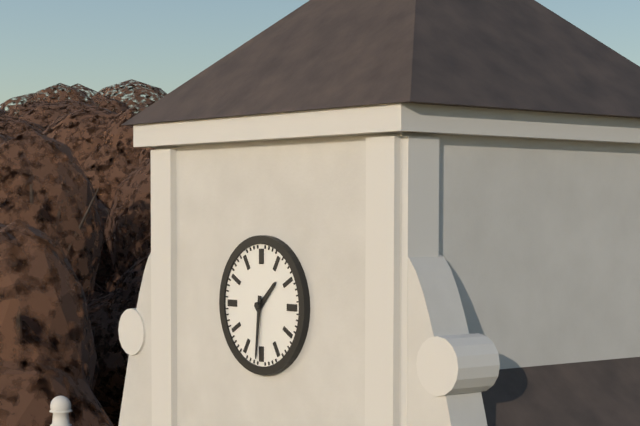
{"hour": 1, "minute": 31}
